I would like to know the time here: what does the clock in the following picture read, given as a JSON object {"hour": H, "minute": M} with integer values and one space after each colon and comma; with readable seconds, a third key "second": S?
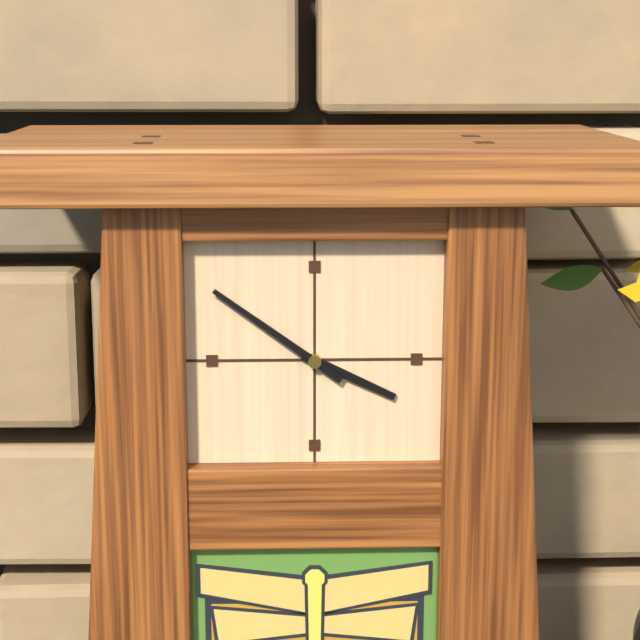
{"hour": 3, "minute": 51}
